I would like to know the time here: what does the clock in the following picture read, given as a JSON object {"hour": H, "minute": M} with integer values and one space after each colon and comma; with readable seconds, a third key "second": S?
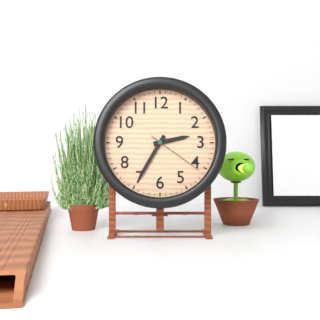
{"hour": 2, "minute": 35, "second": 21}
